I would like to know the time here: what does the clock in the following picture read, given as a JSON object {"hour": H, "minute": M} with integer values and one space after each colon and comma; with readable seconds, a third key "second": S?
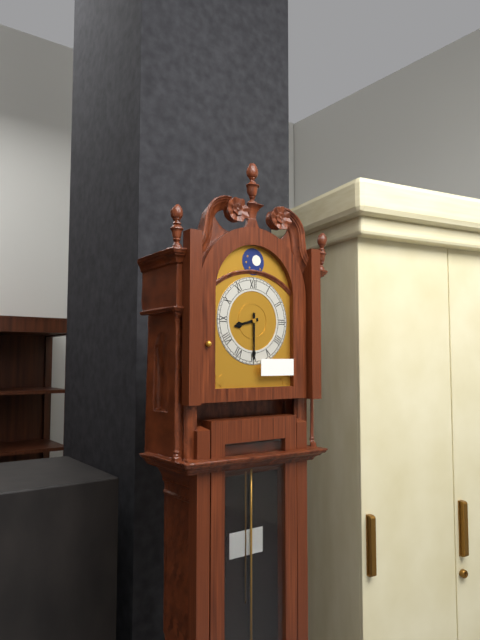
{"hour": 8, "minute": 30}
